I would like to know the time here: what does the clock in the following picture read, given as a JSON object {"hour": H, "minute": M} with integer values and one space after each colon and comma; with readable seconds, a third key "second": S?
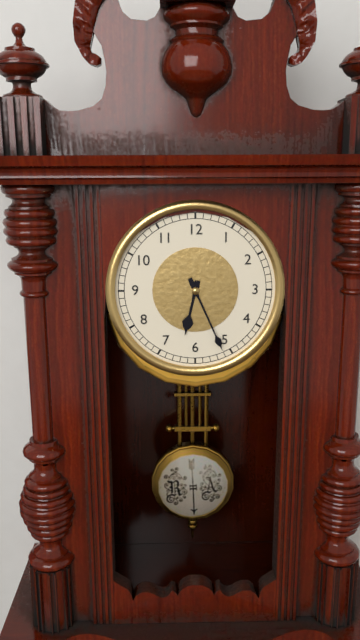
{"hour": 6, "minute": 26}
